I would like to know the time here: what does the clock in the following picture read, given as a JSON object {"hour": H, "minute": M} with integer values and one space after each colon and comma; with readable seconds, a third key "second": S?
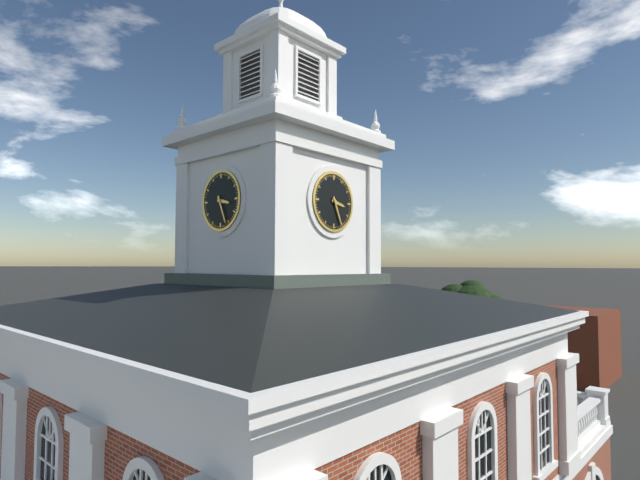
{"hour": 3, "minute": 26}
